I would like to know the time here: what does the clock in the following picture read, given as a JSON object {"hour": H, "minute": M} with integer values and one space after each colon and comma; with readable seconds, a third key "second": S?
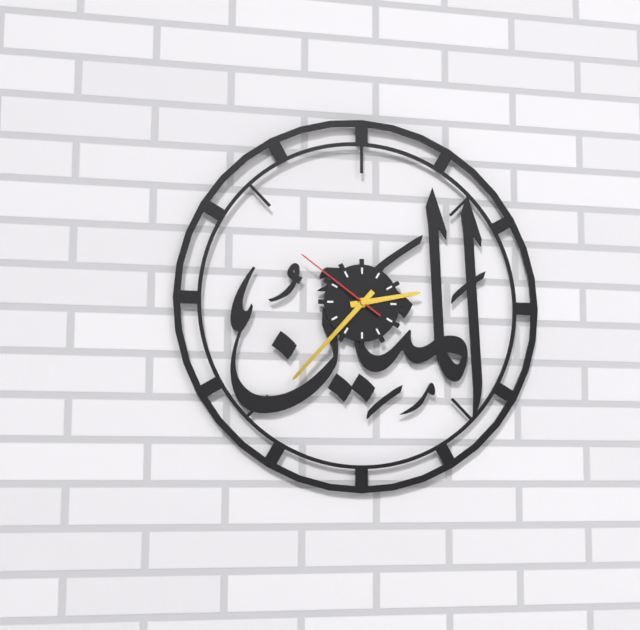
{"hour": 2, "minute": 37, "second": 51}
